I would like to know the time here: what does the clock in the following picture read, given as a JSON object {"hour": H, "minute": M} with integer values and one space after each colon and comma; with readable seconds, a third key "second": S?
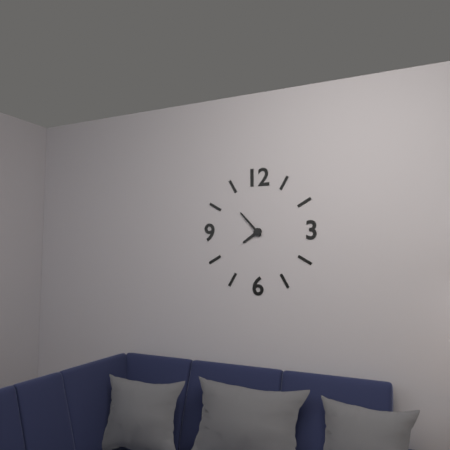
{"hour": 7, "minute": 53}
